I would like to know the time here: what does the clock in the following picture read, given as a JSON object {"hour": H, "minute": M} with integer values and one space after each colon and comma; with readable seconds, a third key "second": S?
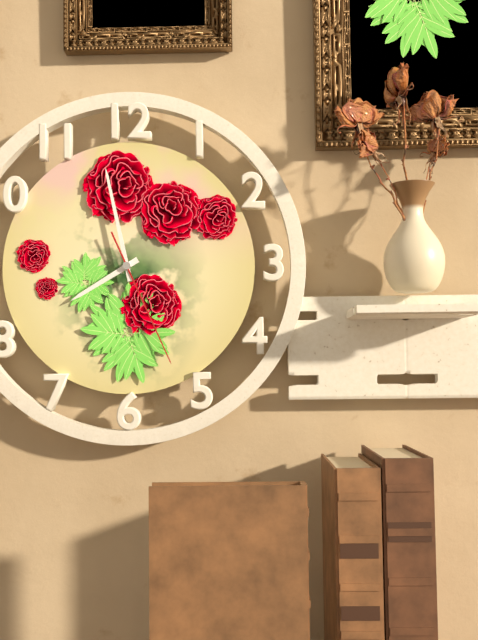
{"hour": 7, "minute": 58, "second": 26}
